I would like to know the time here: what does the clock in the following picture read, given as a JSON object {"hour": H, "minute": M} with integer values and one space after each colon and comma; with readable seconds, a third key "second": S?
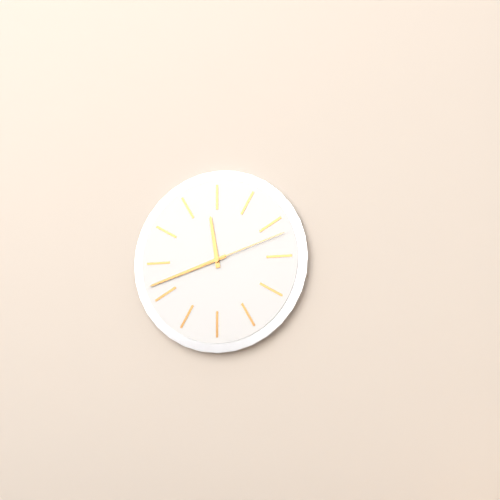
{"hour": 11, "minute": 42, "second": 12}
